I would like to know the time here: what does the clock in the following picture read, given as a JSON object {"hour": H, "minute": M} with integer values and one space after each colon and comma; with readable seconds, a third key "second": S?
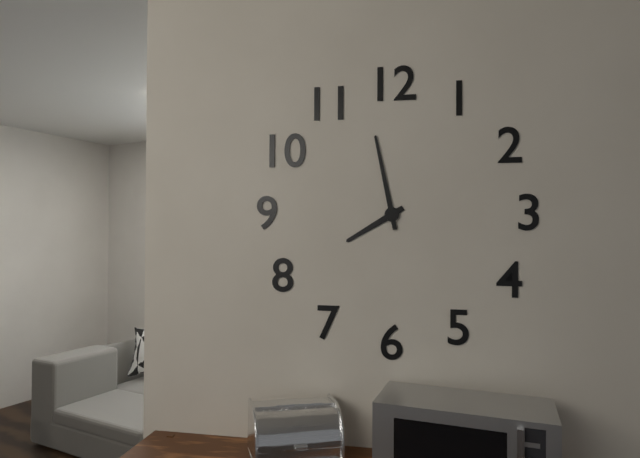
{"hour": 7, "minute": 58}
